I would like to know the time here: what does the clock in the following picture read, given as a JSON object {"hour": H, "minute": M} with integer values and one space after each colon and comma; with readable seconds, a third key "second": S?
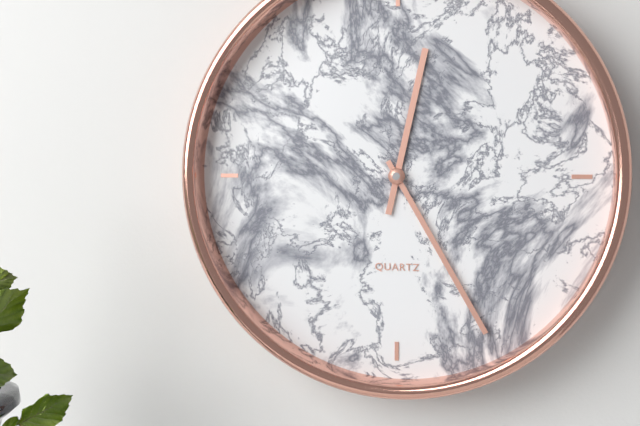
{"hour": 12, "minute": 25}
